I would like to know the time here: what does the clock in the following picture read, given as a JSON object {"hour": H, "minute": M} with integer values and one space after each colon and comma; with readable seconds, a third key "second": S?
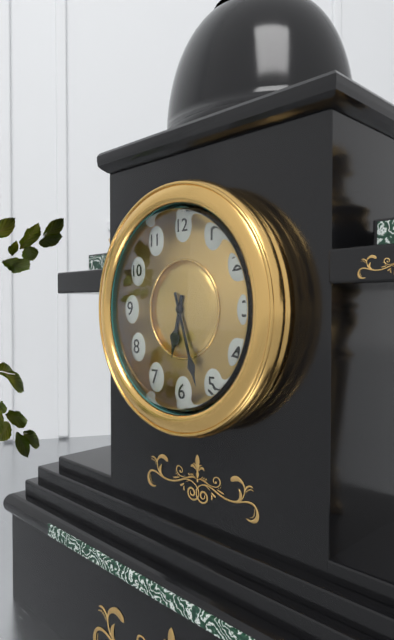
{"hour": 6, "minute": 27}
